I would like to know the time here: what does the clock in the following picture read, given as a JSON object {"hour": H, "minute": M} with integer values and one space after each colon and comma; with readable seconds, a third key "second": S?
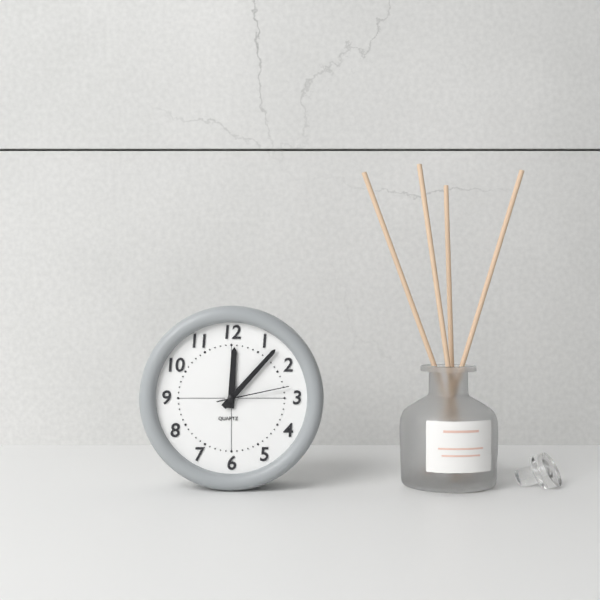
{"hour": 12, "minute": 7, "second": 13}
